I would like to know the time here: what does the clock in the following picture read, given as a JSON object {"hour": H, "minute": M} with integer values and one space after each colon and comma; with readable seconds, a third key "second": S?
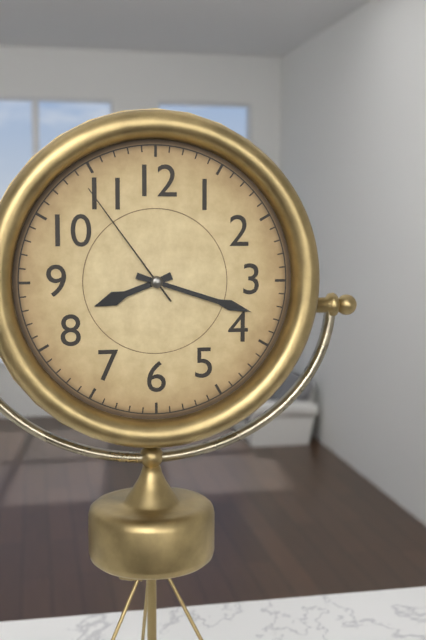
{"hour": 8, "minute": 18, "second": 54}
